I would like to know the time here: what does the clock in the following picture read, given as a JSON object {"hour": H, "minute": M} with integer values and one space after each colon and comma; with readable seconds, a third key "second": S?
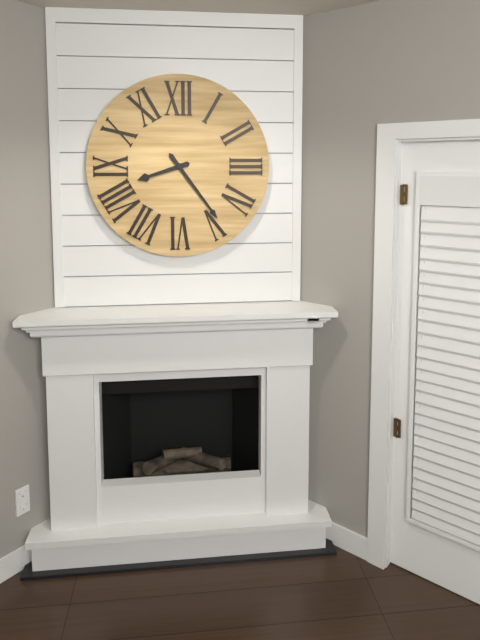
{"hour": 8, "minute": 24}
